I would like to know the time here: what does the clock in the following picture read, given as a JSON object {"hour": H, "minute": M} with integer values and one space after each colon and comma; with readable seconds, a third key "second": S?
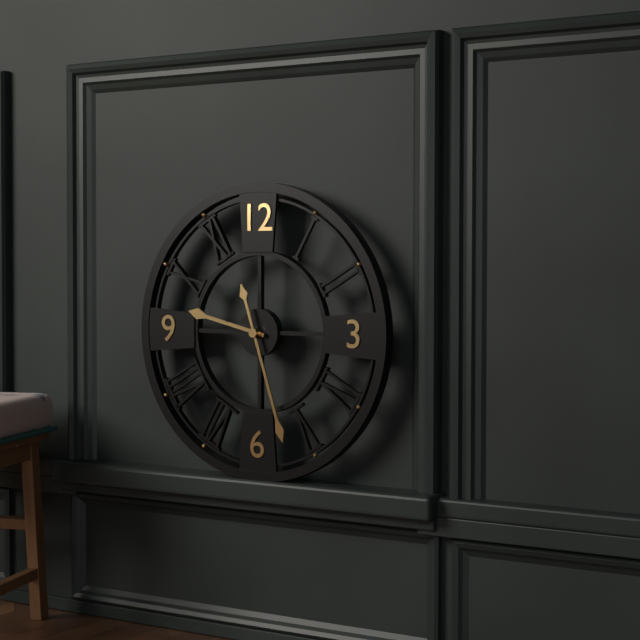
{"hour": 9, "minute": 27}
